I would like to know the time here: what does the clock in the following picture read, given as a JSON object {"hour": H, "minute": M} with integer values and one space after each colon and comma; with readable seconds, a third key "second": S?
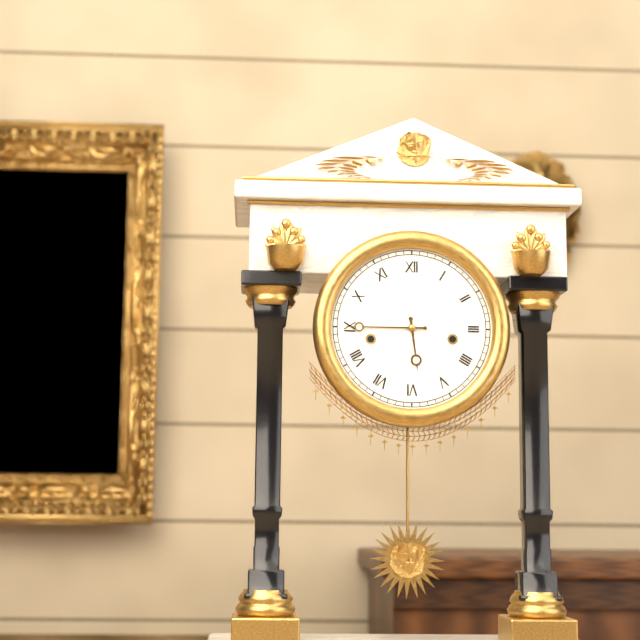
{"hour": 5, "minute": 45}
